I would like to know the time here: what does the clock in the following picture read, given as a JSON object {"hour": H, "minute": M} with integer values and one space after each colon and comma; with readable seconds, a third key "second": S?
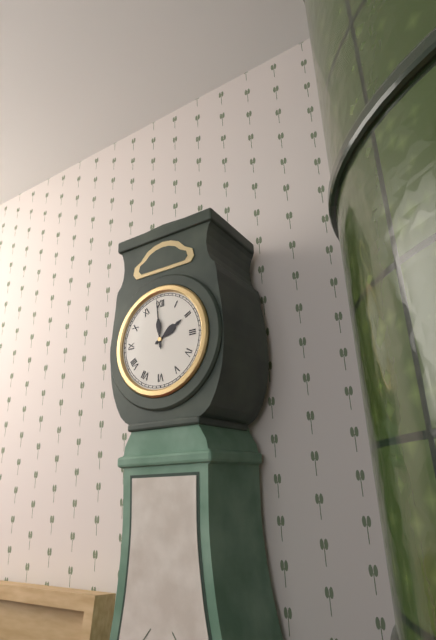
{"hour": 1, "minute": 59}
